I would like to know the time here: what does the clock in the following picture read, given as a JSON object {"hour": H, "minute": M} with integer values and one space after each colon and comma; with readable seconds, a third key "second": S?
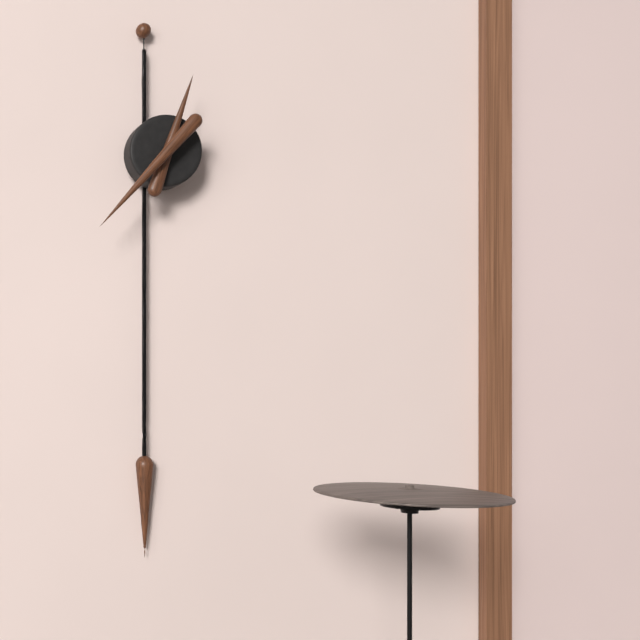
{"hour": 12, "minute": 37}
